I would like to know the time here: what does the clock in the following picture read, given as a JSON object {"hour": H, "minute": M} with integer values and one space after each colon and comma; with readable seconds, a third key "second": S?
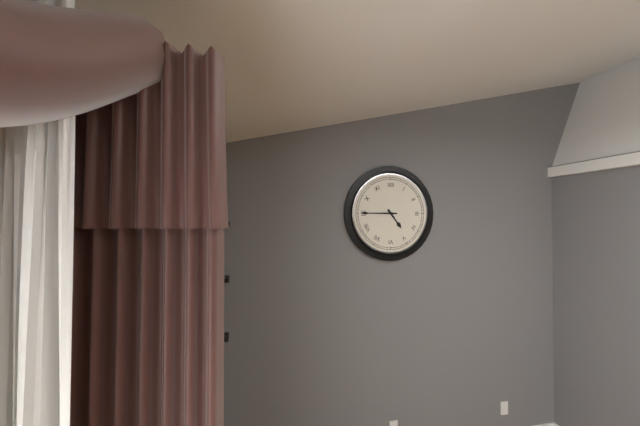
{"hour": 4, "minute": 45}
